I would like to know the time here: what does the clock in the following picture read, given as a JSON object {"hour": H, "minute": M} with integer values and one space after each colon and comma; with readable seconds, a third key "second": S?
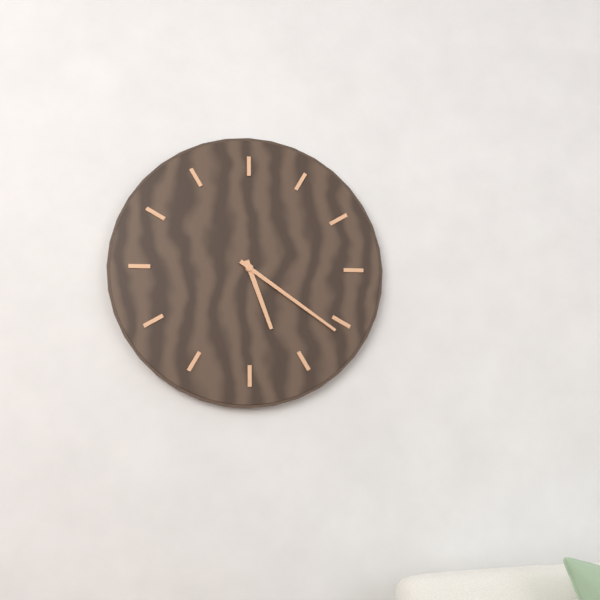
{"hour": 5, "minute": 21}
